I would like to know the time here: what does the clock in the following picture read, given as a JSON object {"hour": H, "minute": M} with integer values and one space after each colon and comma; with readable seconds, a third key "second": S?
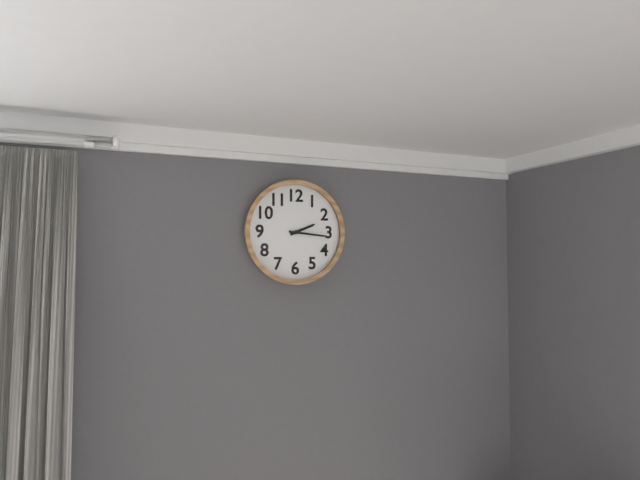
{"hour": 2, "minute": 16}
